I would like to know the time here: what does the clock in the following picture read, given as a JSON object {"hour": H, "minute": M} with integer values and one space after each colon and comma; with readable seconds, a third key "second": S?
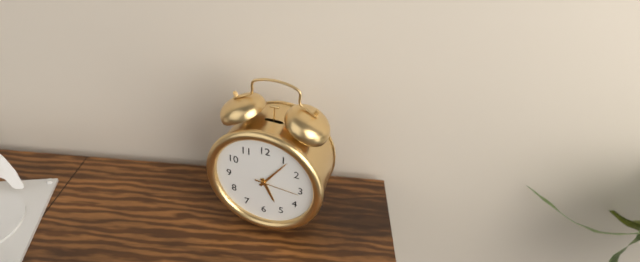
{"hour": 5, "minute": 6}
